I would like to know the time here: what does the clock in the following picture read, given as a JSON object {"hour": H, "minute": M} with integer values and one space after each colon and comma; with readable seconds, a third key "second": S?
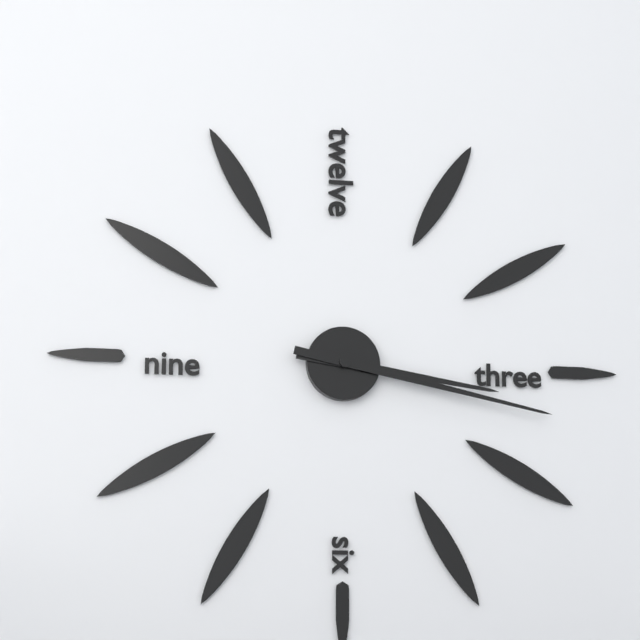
{"hour": 3, "minute": 17}
